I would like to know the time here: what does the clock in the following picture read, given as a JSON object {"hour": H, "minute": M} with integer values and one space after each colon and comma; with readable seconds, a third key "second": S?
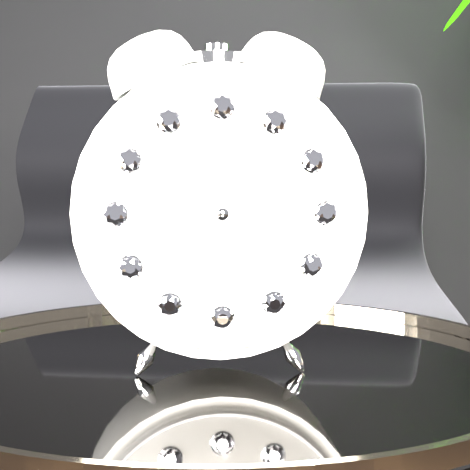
{"hour": 10, "minute": 52, "second": 41}
